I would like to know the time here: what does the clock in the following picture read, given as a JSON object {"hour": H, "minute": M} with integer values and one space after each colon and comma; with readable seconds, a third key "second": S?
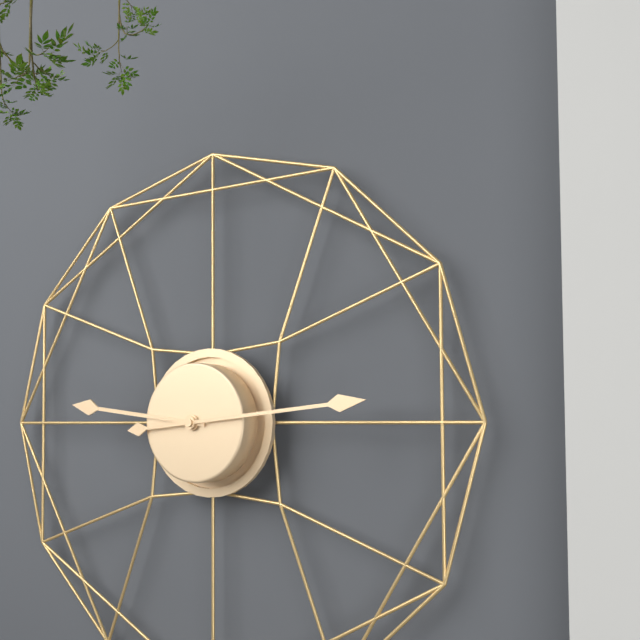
{"hour": 9, "minute": 14}
